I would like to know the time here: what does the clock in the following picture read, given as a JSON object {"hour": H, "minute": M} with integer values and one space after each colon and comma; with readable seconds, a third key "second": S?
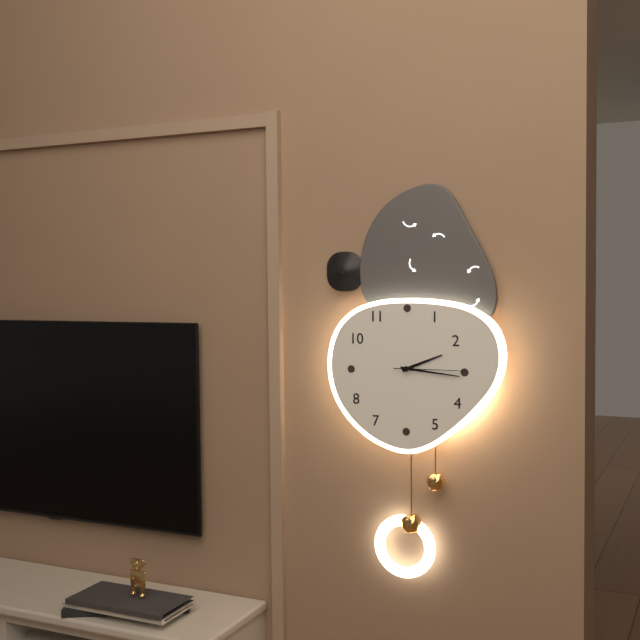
{"hour": 2, "minute": 16, "second": 15}
